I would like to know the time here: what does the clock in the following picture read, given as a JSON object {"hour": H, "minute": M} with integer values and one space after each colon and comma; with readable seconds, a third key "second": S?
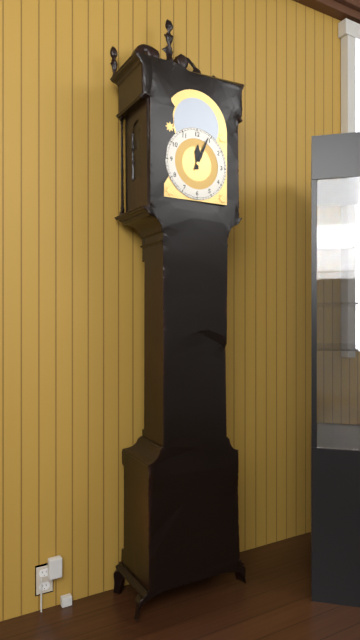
{"hour": 12, "minute": 4}
